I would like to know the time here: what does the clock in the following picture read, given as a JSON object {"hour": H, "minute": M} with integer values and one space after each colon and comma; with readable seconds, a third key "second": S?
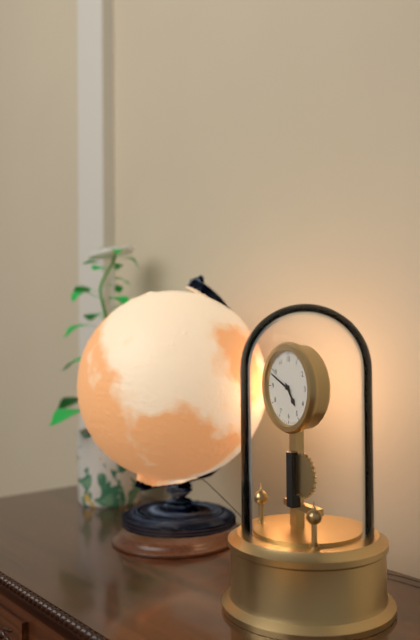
{"hour": 4, "minute": 49}
